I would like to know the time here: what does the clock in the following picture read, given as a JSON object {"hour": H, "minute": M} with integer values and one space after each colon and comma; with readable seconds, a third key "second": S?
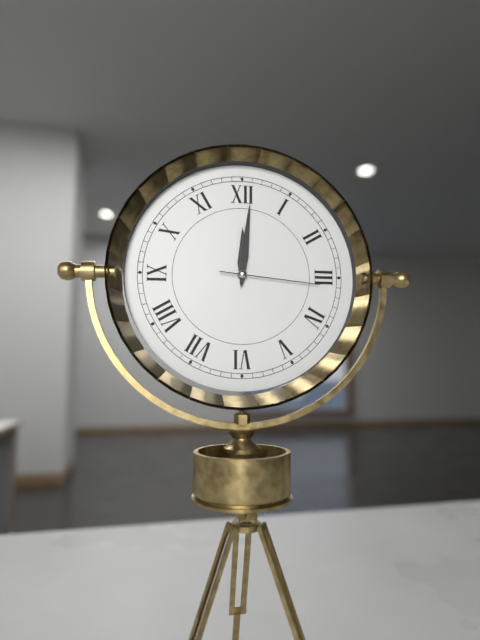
{"hour": 12, "minute": 1, "second": 16}
